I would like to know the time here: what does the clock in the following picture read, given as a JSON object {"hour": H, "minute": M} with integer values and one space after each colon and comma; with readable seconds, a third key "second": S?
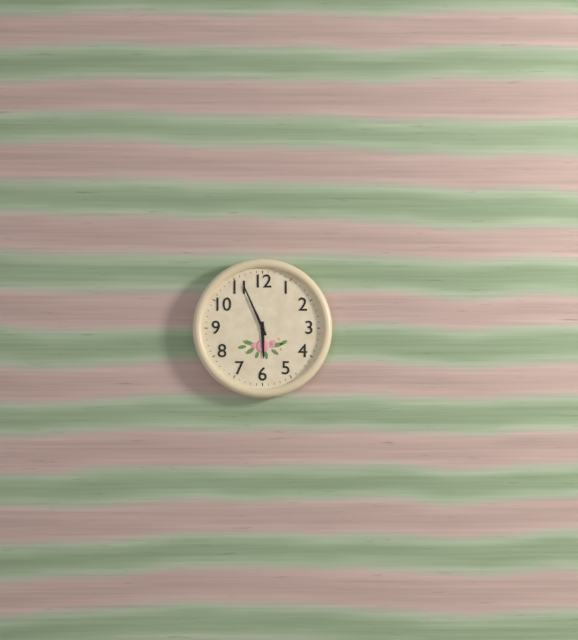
{"hour": 5, "minute": 56}
